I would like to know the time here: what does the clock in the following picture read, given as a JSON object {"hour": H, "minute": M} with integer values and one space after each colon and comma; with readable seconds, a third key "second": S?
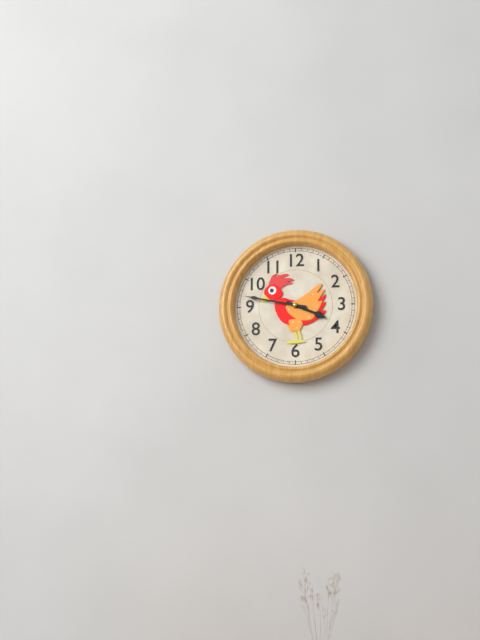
{"hour": 3, "minute": 47}
